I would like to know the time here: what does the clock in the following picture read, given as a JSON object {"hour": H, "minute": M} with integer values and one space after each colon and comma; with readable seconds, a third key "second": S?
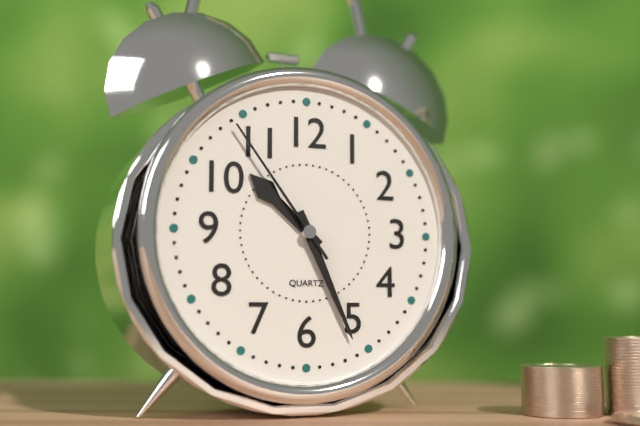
{"hour": 10, "minute": 26, "second": 54}
